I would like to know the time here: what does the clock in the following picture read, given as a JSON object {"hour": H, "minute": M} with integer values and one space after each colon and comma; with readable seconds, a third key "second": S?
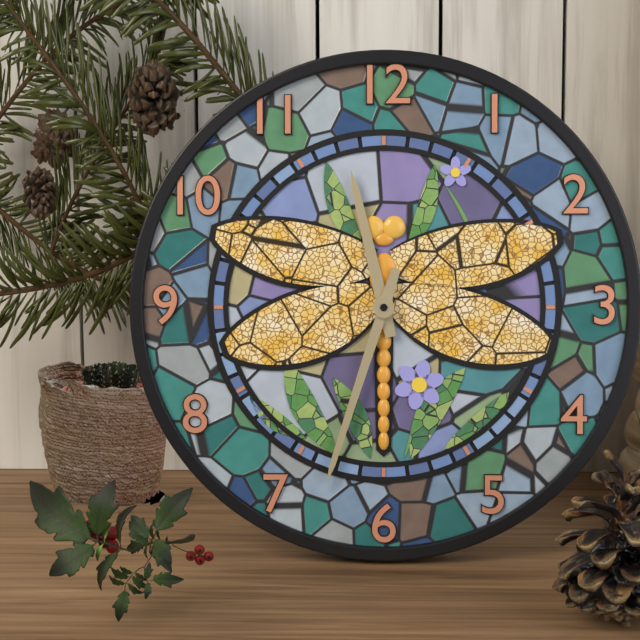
{"hour": 11, "minute": 33}
